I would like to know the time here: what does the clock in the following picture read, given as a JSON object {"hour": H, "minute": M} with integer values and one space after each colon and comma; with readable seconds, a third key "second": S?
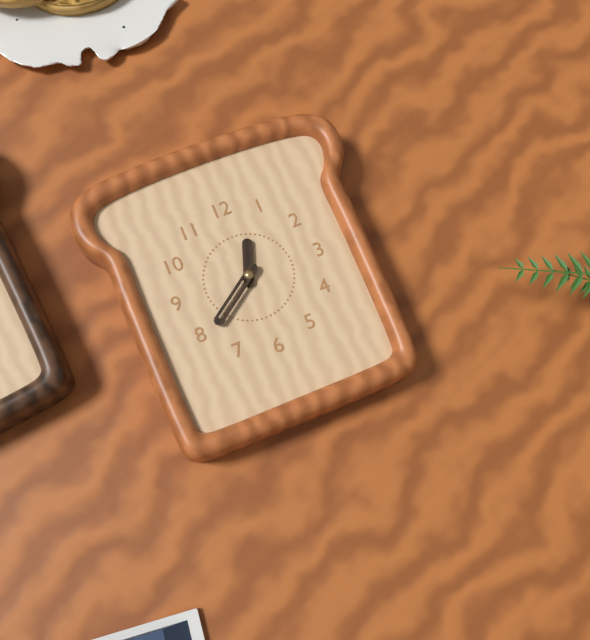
{"hour": 12, "minute": 39}
